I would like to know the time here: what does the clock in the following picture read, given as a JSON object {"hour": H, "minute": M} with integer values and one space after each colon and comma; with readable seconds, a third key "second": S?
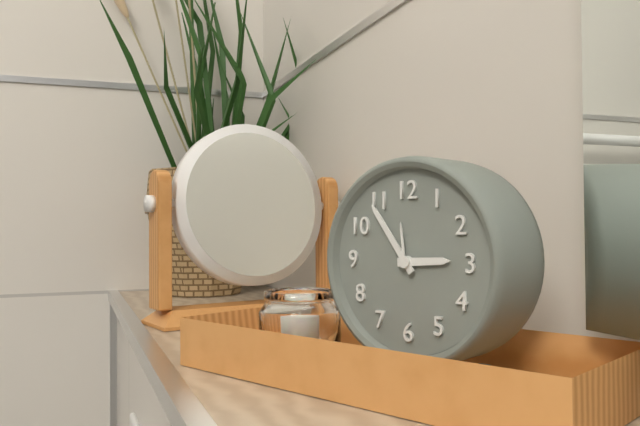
{"hour": 2, "minute": 54}
